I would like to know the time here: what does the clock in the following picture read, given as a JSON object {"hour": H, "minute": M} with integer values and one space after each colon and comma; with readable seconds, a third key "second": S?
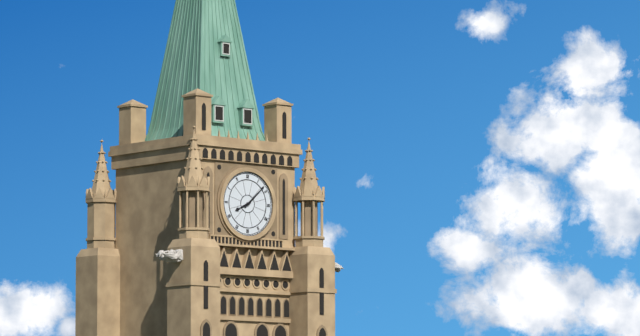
{"hour": 8, "minute": 8}
